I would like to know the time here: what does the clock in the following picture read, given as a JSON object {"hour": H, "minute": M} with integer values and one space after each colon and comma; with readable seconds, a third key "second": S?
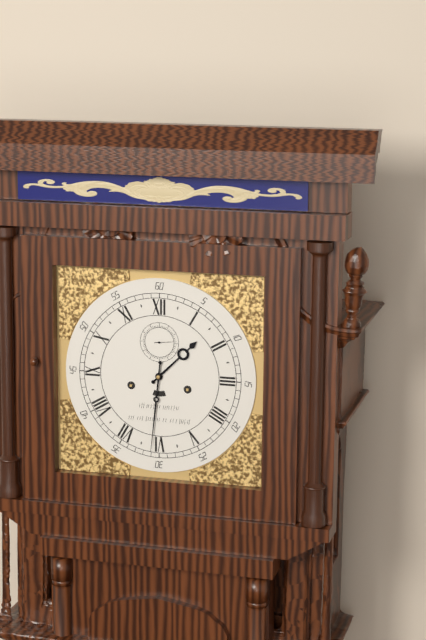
{"hour": 1, "minute": 31}
